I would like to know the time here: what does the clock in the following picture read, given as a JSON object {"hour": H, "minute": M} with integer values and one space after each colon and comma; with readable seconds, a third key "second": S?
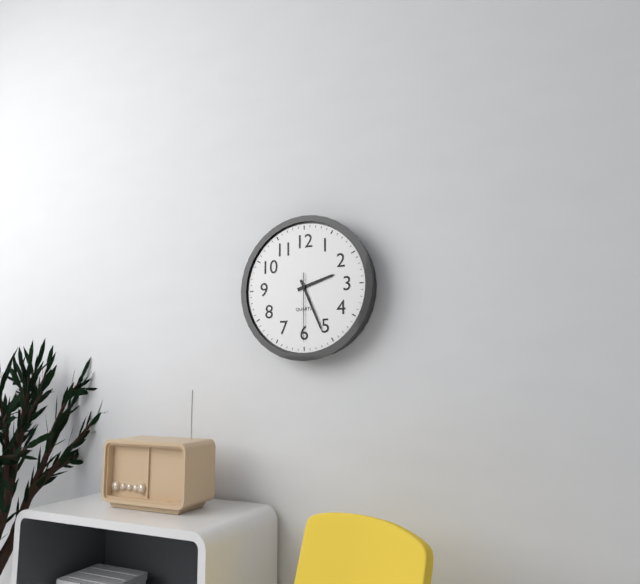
{"hour": 2, "minute": 26, "second": 30}
